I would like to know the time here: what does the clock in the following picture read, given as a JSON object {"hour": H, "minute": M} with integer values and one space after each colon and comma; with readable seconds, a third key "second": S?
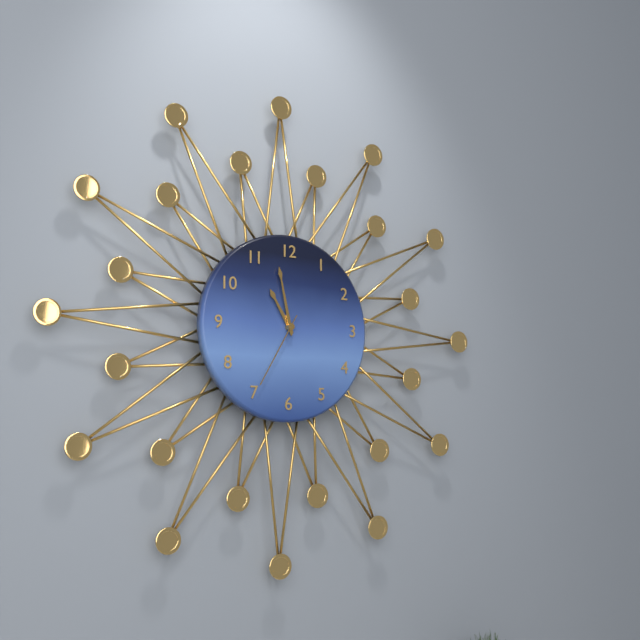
{"hour": 10, "minute": 58, "second": 35}
